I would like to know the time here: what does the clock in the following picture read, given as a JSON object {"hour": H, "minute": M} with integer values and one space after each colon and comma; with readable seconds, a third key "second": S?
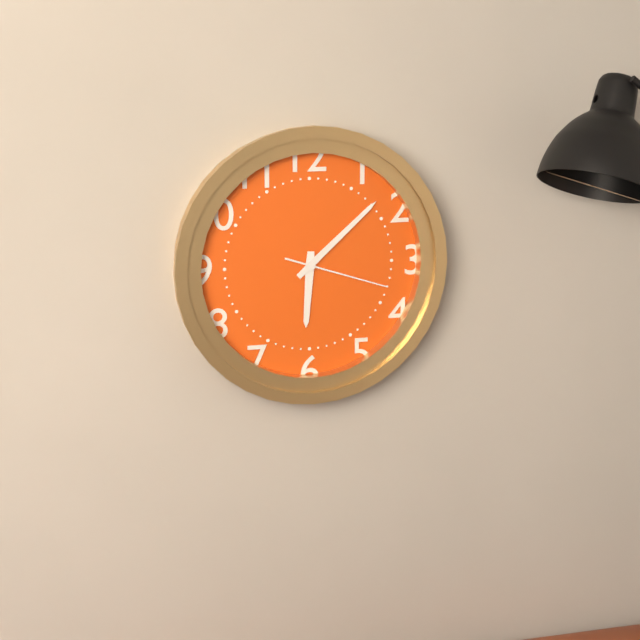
{"hour": 6, "minute": 8, "second": 18}
